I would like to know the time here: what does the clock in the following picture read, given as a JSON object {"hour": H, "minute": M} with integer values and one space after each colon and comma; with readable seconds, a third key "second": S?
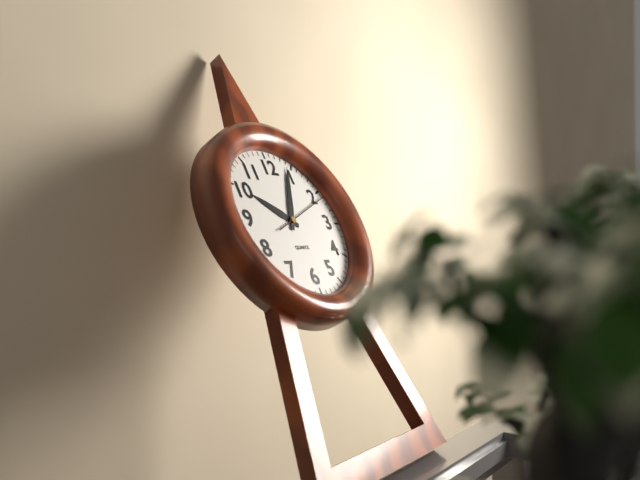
{"hour": 10, "minute": 4}
